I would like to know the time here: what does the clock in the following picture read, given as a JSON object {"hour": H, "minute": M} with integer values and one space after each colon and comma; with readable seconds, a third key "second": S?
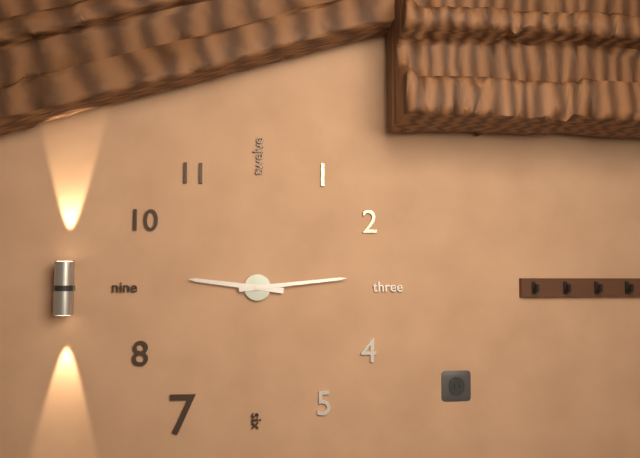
{"hour": 9, "minute": 14}
